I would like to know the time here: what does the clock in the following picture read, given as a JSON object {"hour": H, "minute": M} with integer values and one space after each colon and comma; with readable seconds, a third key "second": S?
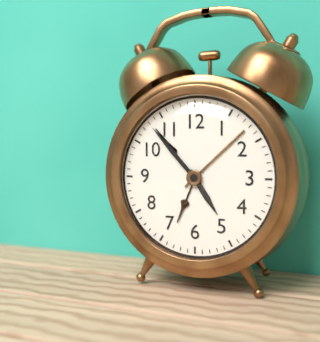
{"hour": 4, "minute": 53}
